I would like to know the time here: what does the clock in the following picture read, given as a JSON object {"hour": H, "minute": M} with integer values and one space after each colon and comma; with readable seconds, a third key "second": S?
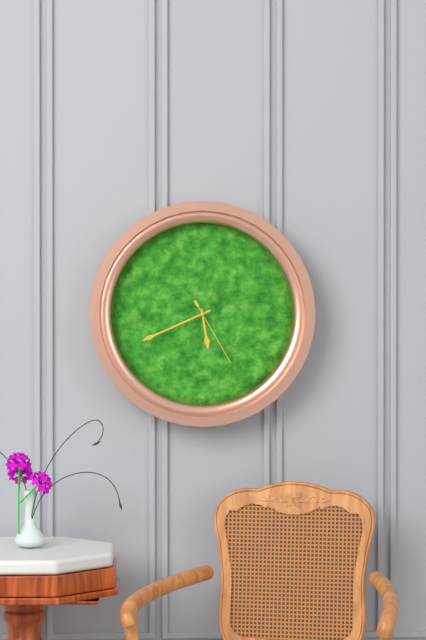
{"hour": 5, "minute": 41, "second": 25}
